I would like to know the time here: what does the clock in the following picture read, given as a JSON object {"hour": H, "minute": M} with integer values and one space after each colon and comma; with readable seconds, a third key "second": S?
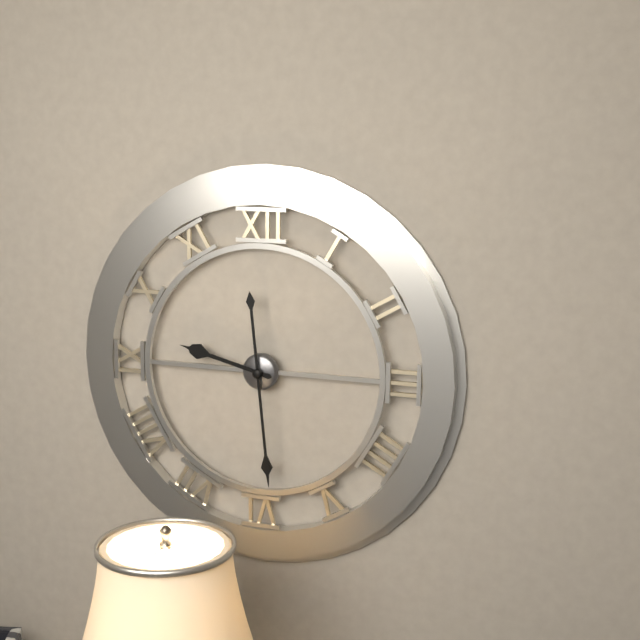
{"hour": 9, "minute": 29}
